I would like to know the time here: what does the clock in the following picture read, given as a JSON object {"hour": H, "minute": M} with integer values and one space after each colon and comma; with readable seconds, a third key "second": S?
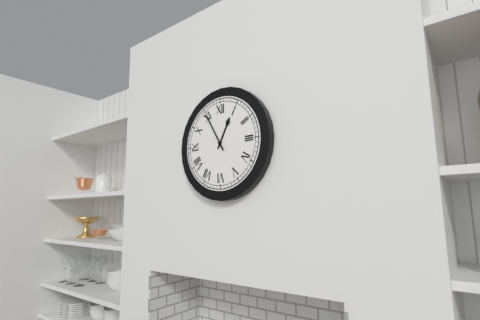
{"hour": 12, "minute": 55}
